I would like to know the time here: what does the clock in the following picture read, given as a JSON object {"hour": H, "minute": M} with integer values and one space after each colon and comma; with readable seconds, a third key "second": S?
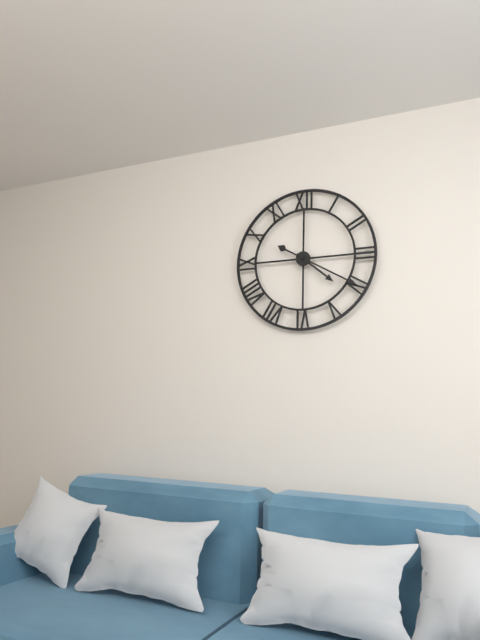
{"hour": 4, "minute": 20}
